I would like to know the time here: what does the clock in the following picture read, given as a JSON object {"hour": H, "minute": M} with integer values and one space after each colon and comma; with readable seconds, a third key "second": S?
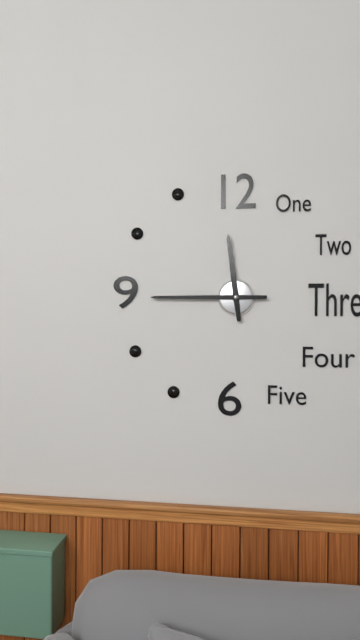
{"hour": 11, "minute": 45}
